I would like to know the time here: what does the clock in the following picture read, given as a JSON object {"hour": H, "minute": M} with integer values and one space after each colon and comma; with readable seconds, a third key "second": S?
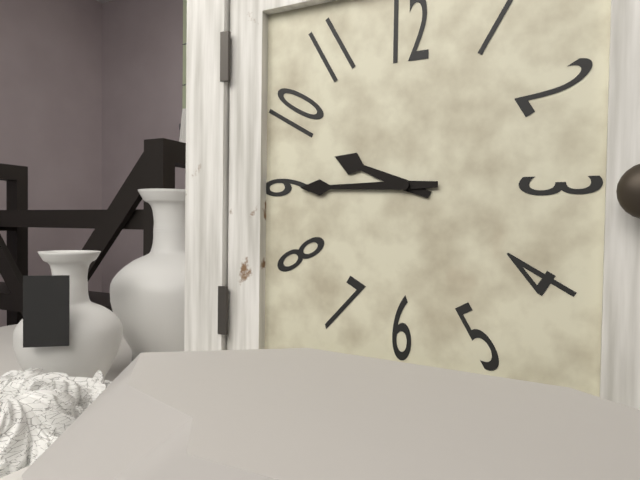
{"hour": 9, "minute": 45}
